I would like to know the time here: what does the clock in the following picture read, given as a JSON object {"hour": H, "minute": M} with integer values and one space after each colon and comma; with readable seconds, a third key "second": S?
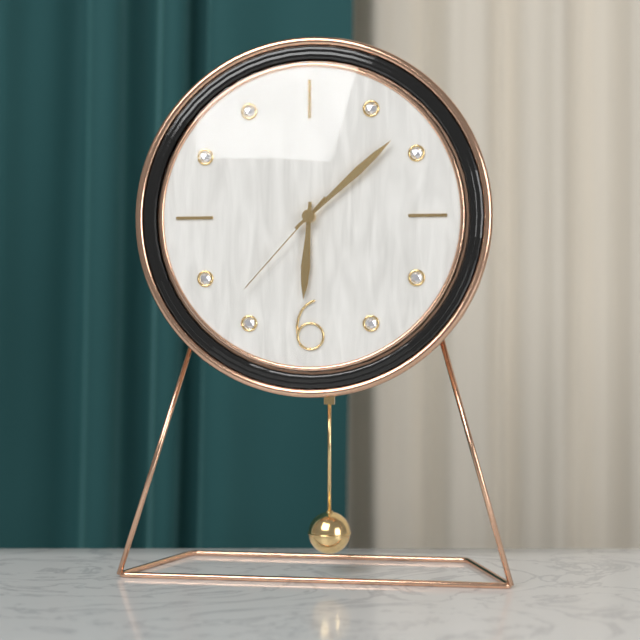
{"hour": 6, "minute": 8, "second": 37}
